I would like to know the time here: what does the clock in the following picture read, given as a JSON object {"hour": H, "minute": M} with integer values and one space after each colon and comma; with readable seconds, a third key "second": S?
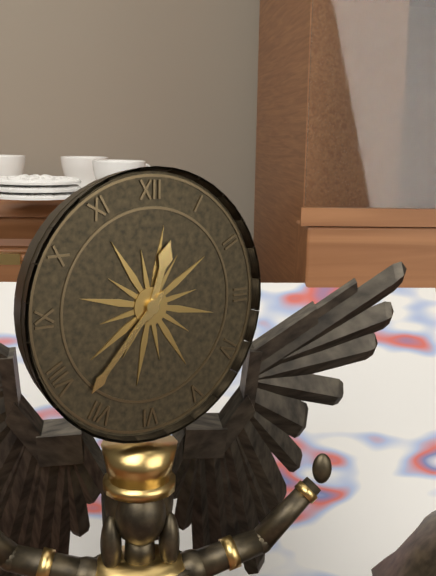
{"hour": 12, "minute": 37}
